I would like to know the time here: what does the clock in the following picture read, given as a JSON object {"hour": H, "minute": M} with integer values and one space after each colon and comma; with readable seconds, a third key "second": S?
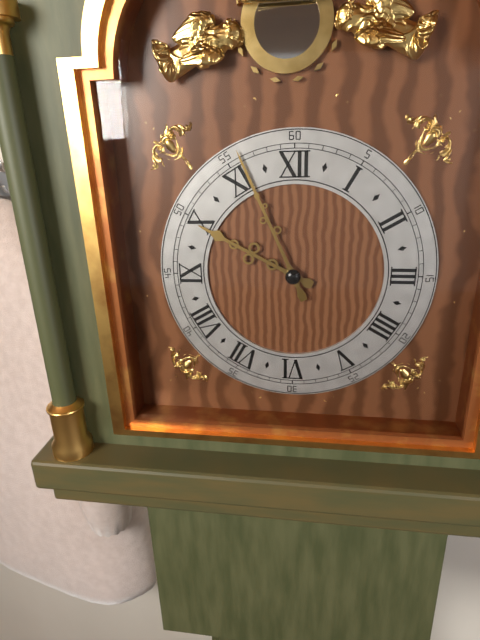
{"hour": 9, "minute": 56}
